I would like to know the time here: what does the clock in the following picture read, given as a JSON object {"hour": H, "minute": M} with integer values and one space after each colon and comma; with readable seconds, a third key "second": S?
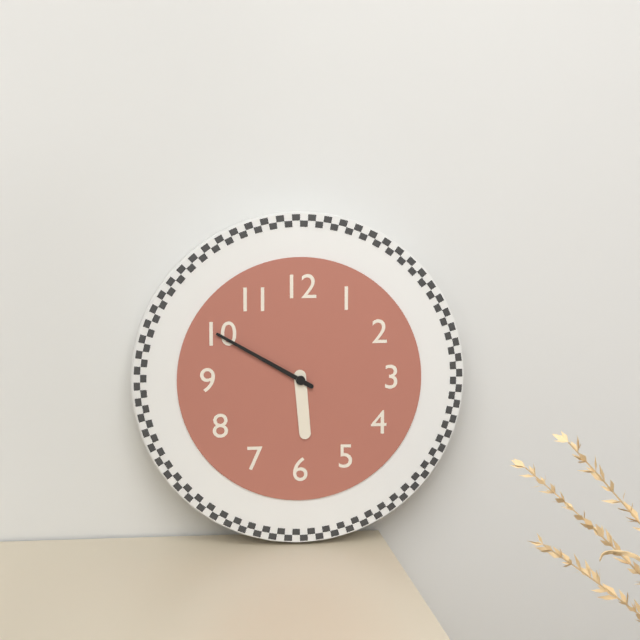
{"hour": 5, "minute": 50}
